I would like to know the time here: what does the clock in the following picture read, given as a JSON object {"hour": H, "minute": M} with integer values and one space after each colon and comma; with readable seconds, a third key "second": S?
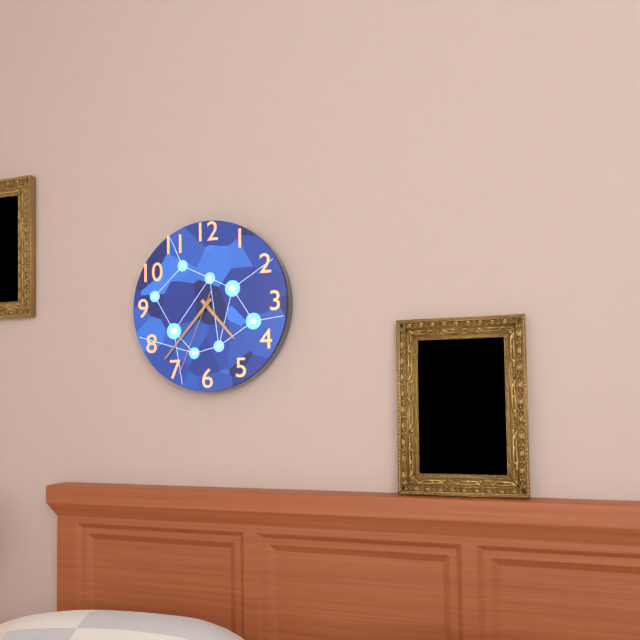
{"hour": 4, "minute": 37, "second": 34}
